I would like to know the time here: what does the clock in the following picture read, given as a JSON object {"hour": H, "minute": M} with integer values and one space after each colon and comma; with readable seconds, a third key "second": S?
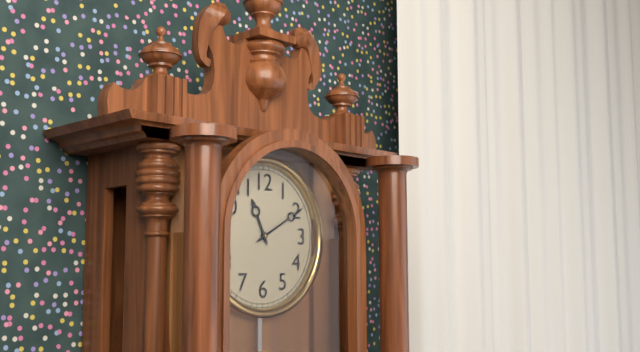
{"hour": 11, "minute": 10}
